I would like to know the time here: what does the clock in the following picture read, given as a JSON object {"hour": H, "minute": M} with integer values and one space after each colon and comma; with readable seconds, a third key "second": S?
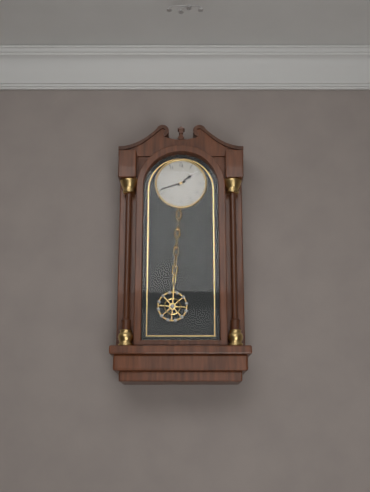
{"hour": 1, "minute": 42}
